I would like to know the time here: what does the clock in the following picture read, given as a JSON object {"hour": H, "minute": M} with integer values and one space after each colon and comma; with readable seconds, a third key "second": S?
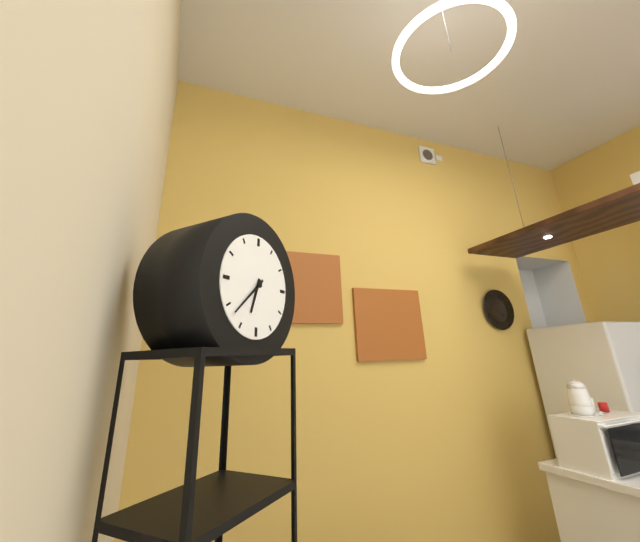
{"hour": 6, "minute": 38}
